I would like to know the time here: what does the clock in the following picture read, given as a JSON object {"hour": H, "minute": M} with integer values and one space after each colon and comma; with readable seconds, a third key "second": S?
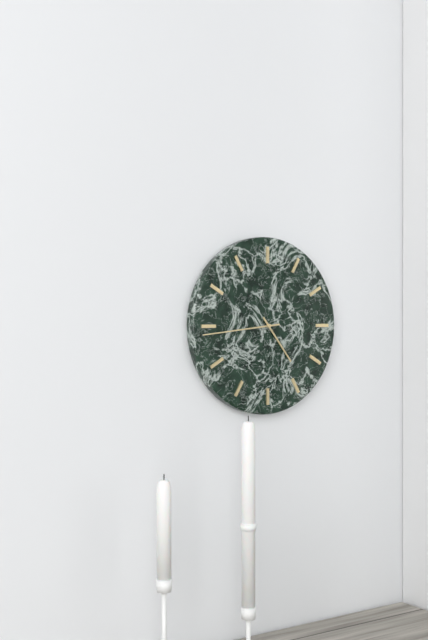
{"hour": 4, "minute": 44}
